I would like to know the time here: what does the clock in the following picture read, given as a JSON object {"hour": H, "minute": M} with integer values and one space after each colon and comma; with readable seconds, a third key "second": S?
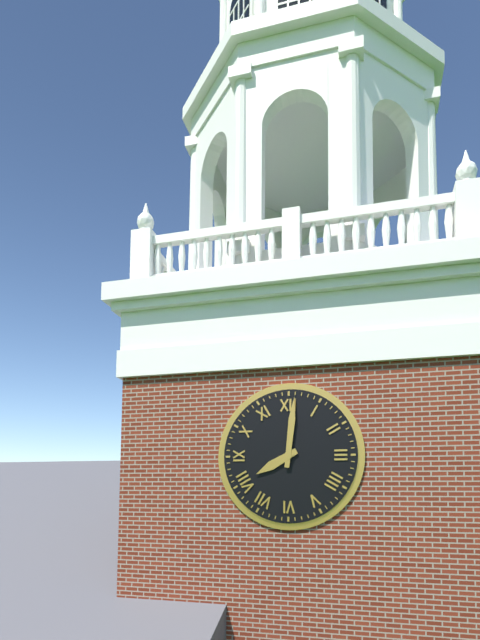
{"hour": 8, "minute": 1}
